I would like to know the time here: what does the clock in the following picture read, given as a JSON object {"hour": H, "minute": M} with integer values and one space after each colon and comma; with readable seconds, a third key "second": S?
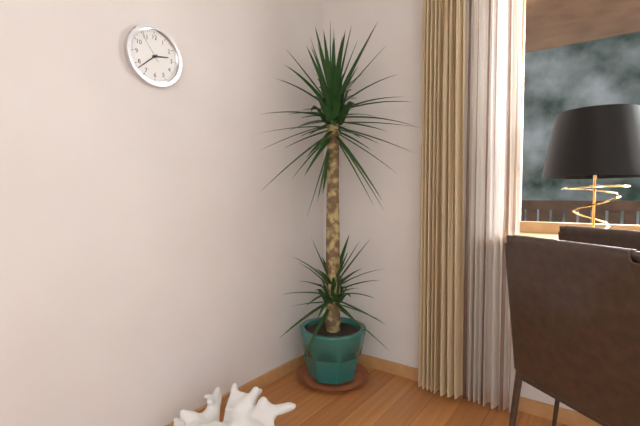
{"hour": 2, "minute": 38}
